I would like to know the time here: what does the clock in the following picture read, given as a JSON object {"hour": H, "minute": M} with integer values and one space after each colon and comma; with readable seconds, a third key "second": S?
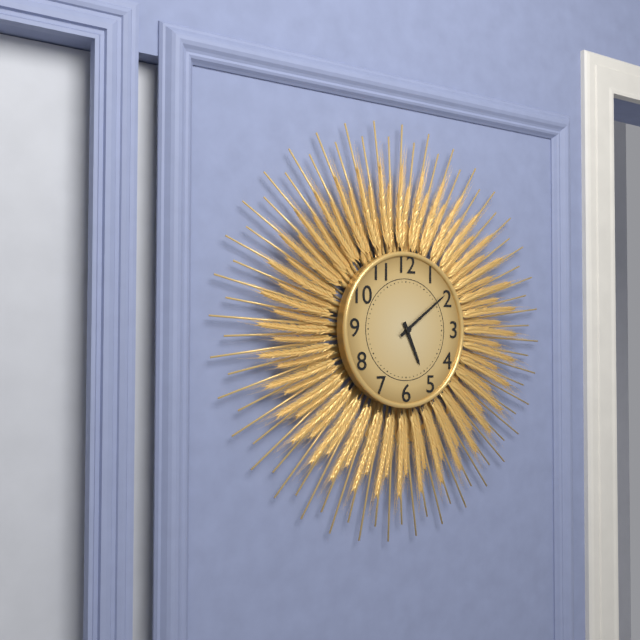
{"hour": 5, "minute": 9}
